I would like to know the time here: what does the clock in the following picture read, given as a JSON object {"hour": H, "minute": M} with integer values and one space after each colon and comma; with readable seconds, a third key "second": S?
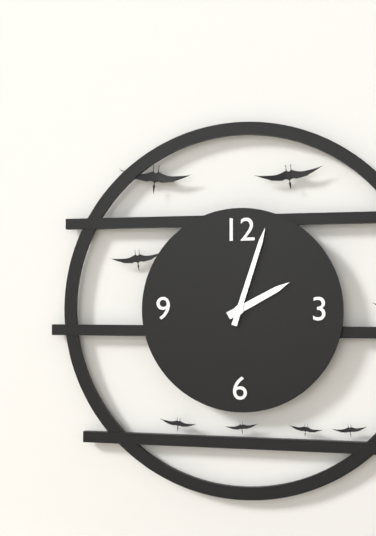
{"hour": 2, "minute": 3}
